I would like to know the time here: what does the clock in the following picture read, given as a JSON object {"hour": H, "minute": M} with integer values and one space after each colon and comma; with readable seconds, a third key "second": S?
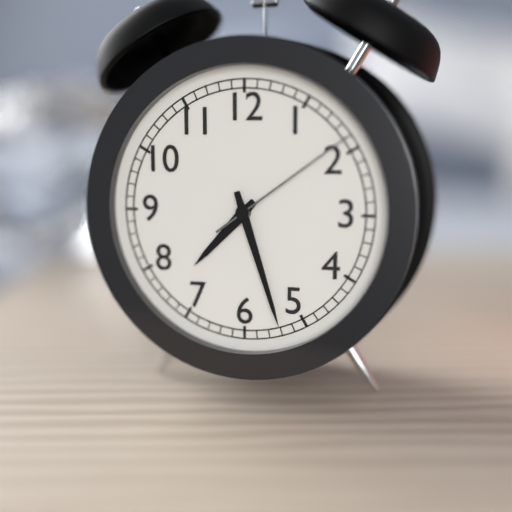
{"hour": 7, "minute": 27, "second": 9}
